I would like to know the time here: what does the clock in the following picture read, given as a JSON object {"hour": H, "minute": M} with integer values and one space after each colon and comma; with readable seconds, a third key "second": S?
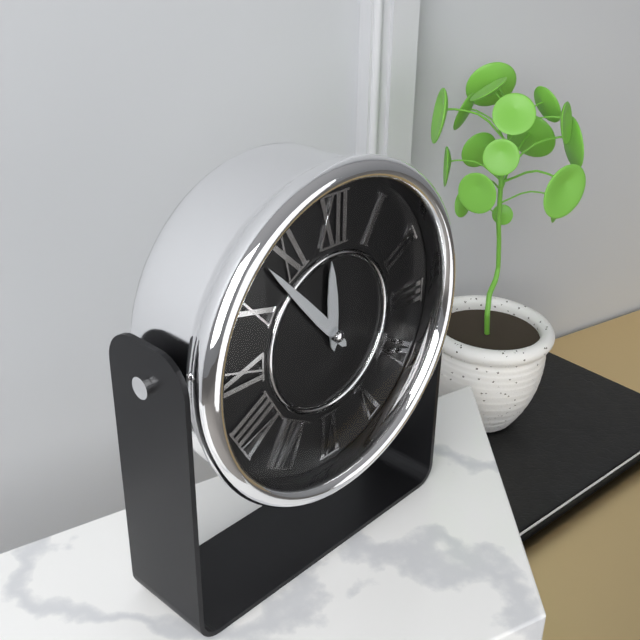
{"hour": 11, "minute": 53}
